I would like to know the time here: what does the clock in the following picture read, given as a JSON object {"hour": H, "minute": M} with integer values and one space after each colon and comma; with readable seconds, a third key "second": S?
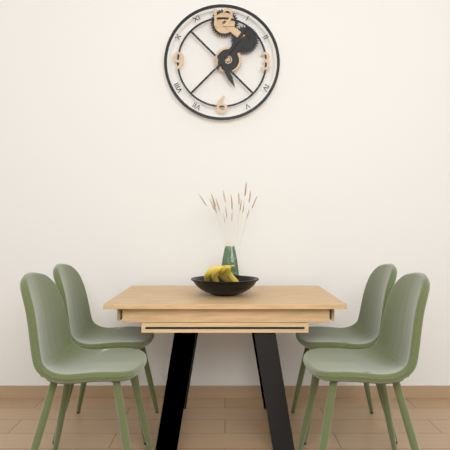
{"hour": 5, "minute": 6}
